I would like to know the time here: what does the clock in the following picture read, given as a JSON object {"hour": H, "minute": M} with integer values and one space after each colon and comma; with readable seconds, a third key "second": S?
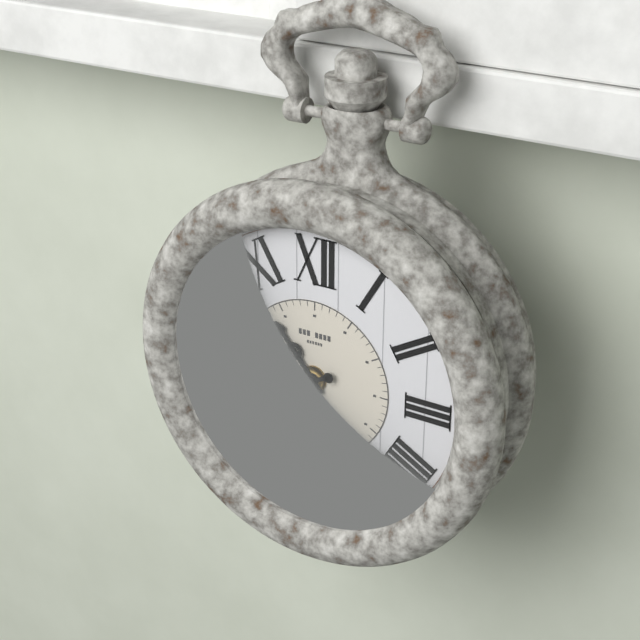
{"hour": 10, "minute": 41}
